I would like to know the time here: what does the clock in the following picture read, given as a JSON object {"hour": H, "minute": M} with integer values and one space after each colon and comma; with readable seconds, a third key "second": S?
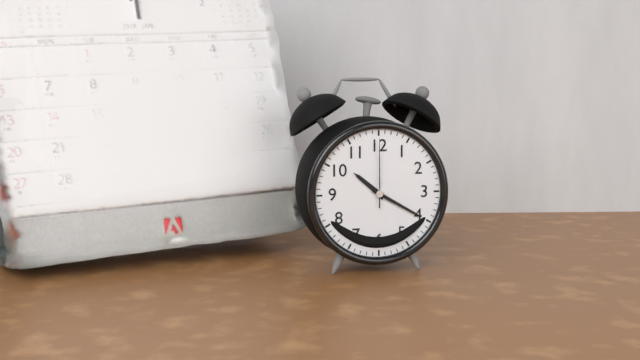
{"hour": 10, "minute": 20, "second": 0}
